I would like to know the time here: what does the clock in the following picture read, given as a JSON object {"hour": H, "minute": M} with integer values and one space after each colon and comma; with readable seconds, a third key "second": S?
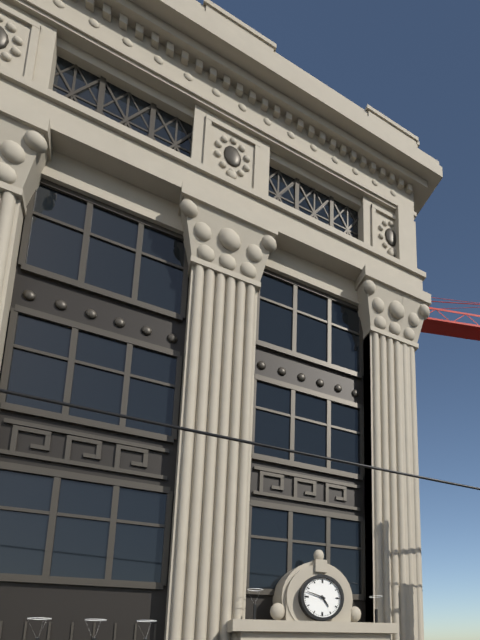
{"hour": 4, "minute": 48}
